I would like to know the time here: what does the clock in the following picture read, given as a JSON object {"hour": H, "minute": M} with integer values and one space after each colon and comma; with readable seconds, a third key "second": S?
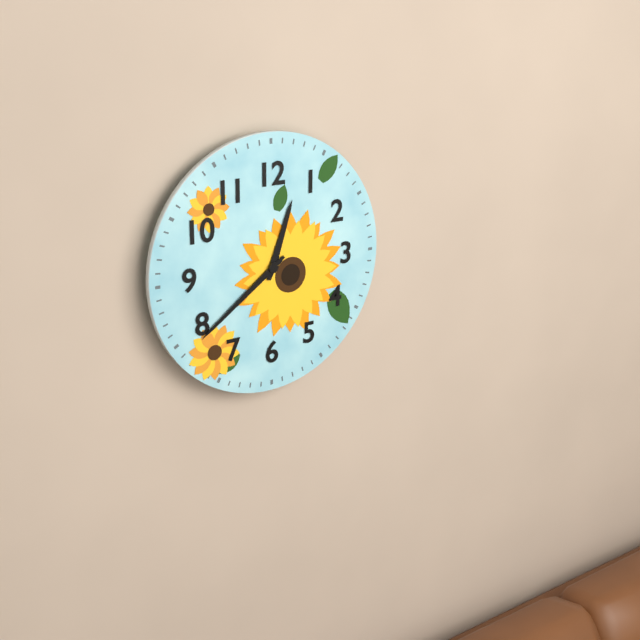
{"hour": 12, "minute": 39}
